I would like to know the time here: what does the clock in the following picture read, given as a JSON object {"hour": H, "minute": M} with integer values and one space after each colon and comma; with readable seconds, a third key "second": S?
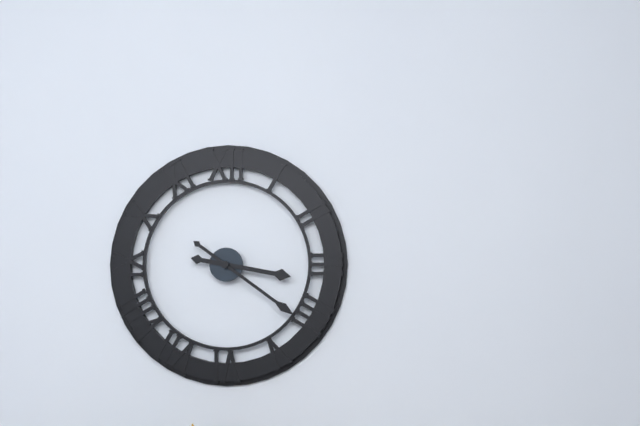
{"hour": 3, "minute": 21}
